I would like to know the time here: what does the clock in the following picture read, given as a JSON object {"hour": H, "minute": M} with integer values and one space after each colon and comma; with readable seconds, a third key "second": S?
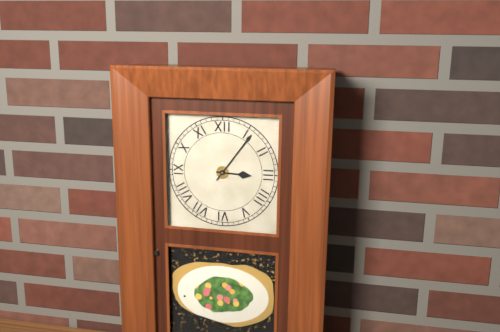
{"hour": 3, "minute": 6}
